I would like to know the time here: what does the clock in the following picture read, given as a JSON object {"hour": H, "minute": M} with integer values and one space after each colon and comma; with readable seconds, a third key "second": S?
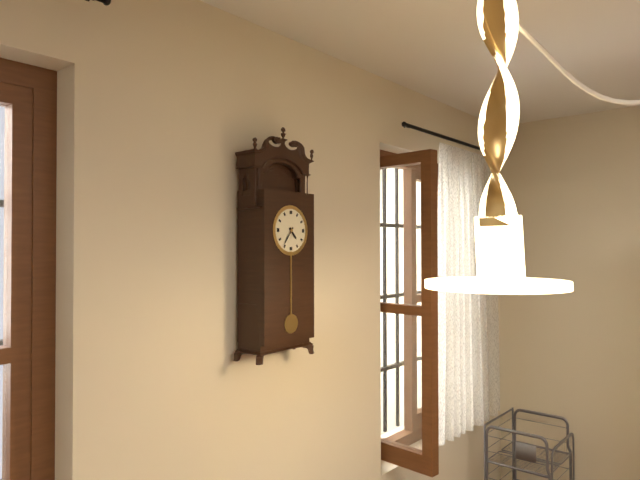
{"hour": 4, "minute": 36}
